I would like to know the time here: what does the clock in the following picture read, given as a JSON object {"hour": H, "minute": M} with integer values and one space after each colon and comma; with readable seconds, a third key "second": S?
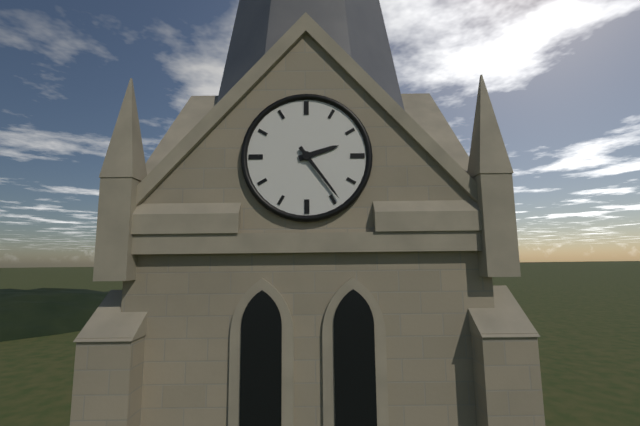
{"hour": 2, "minute": 24}
